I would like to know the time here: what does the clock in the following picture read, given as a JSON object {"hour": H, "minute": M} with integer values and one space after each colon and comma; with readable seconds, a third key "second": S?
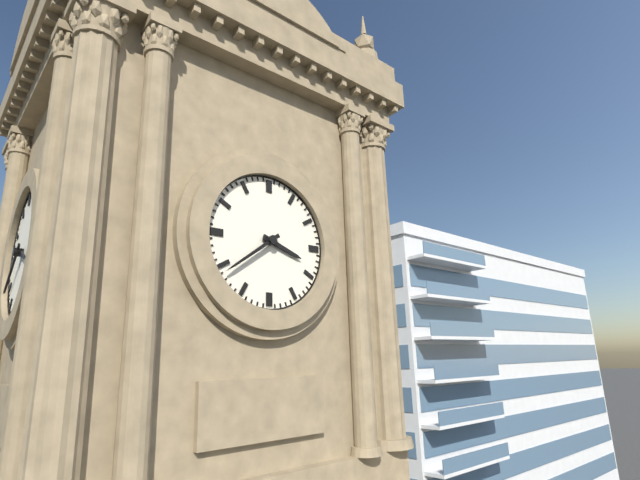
{"hour": 3, "minute": 39}
